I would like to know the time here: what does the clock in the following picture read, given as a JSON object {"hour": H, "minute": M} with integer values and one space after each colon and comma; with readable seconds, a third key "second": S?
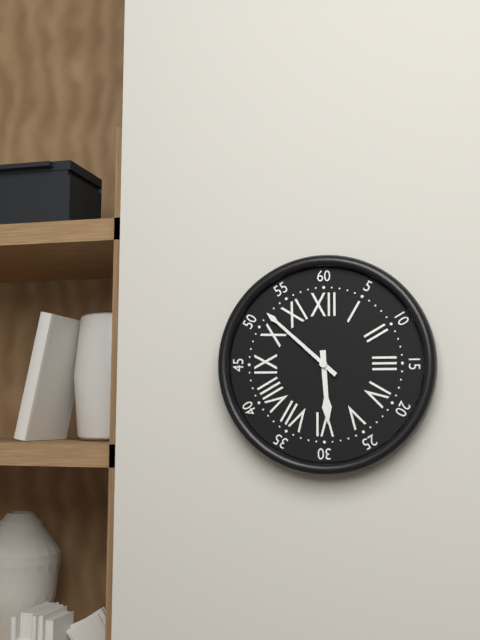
{"hour": 5, "minute": 52}
